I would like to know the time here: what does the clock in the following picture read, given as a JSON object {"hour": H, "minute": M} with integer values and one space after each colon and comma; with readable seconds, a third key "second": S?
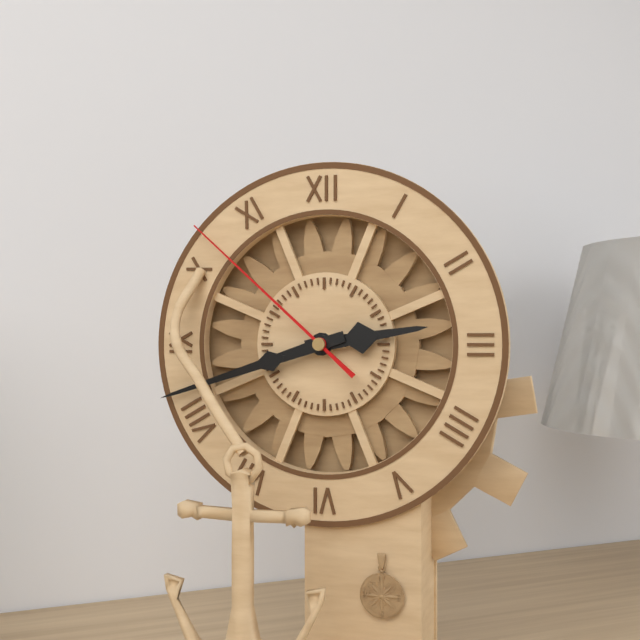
{"hour": 2, "minute": 42, "second": 52}
